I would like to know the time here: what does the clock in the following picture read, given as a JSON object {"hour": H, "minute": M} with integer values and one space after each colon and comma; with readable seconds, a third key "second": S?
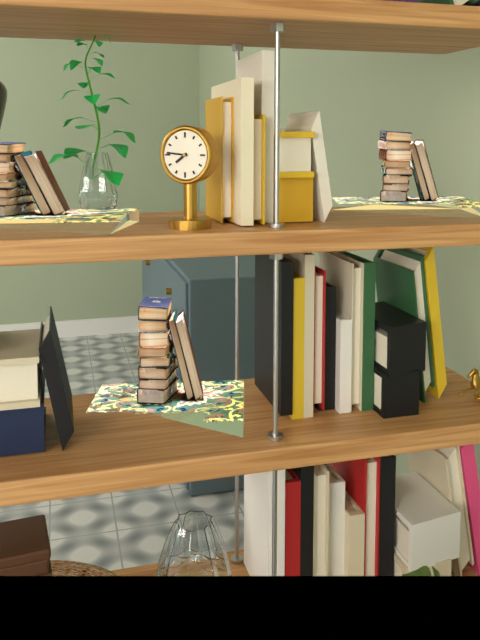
{"hour": 7, "minute": 46}
